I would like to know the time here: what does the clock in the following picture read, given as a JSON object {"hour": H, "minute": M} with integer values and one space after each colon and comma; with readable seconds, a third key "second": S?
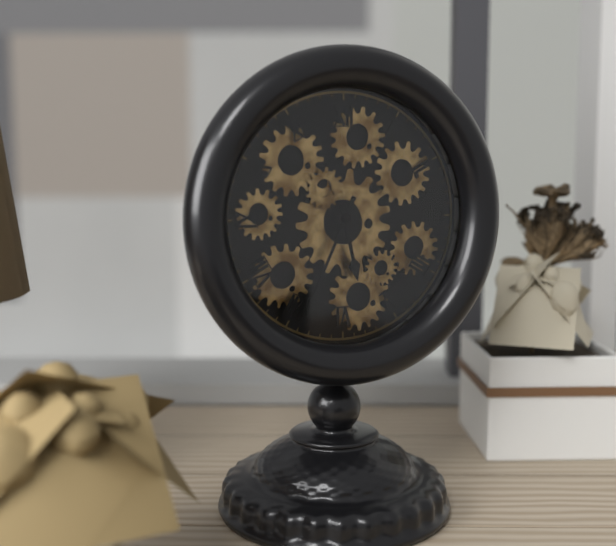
{"hour": 5, "minute": 34}
